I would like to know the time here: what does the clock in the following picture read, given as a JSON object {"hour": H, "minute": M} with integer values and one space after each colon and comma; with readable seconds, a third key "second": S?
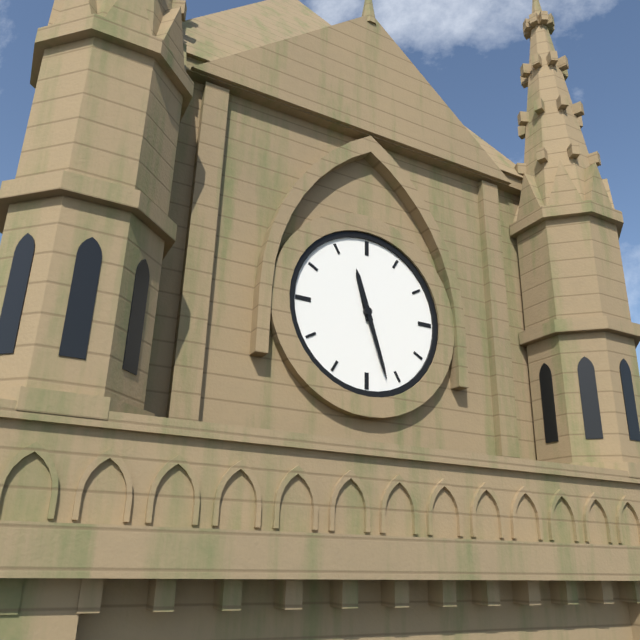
{"hour": 11, "minute": 27}
